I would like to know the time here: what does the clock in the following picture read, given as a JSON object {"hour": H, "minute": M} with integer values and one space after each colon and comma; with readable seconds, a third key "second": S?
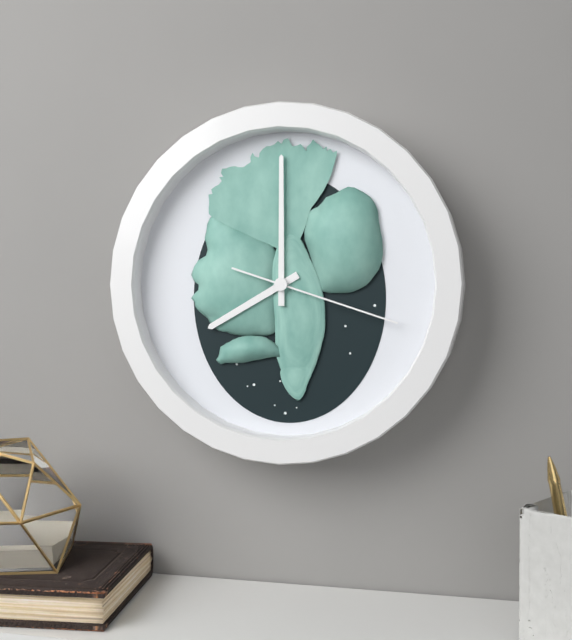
{"hour": 8, "minute": 0, "second": 18}
